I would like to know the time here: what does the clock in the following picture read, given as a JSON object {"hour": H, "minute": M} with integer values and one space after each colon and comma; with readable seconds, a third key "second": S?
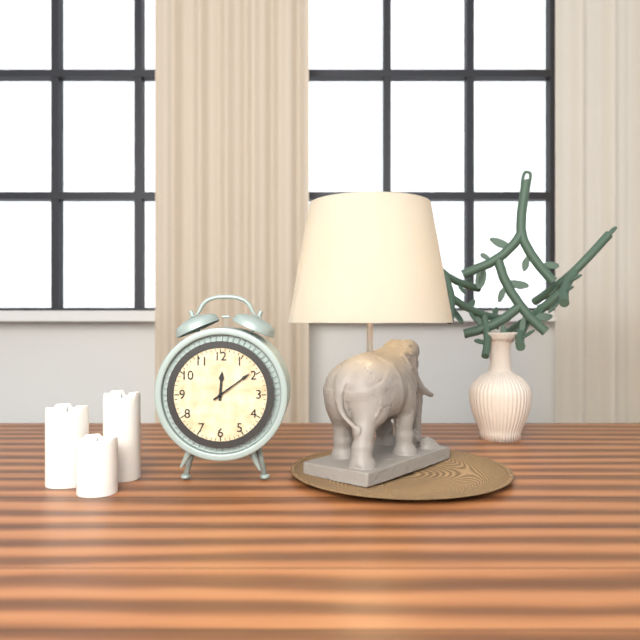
{"hour": 12, "minute": 9}
